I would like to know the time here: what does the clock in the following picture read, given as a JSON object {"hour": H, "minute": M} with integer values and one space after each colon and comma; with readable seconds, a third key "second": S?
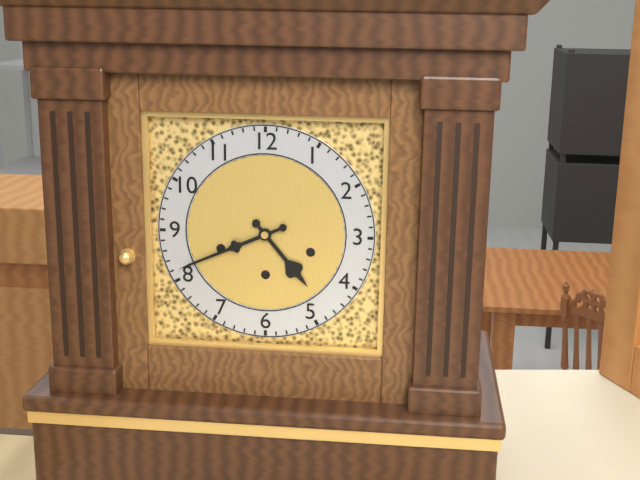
{"hour": 4, "minute": 41}
